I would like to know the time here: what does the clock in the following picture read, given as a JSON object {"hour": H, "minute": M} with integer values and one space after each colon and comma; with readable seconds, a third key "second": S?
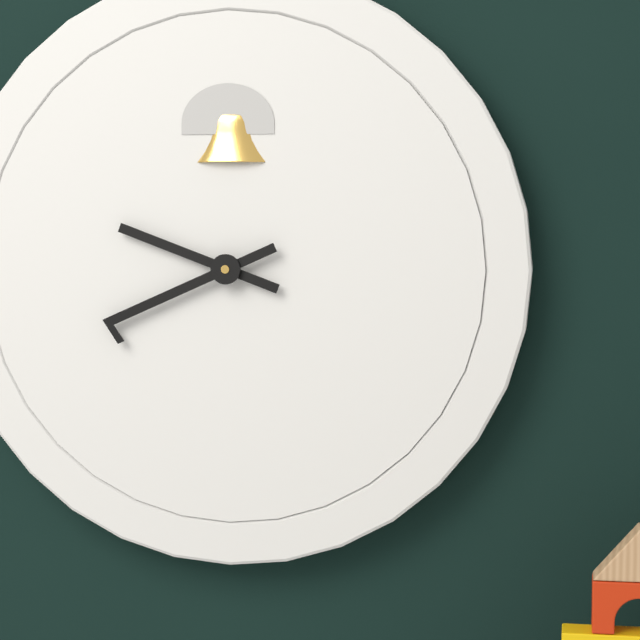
{"hour": 9, "minute": 41}
